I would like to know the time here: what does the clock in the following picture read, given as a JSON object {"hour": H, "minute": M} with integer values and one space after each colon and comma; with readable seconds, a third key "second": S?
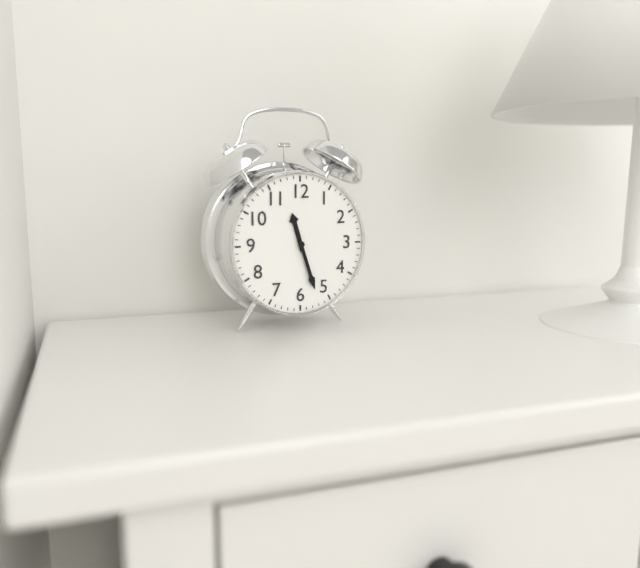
{"hour": 11, "minute": 27}
